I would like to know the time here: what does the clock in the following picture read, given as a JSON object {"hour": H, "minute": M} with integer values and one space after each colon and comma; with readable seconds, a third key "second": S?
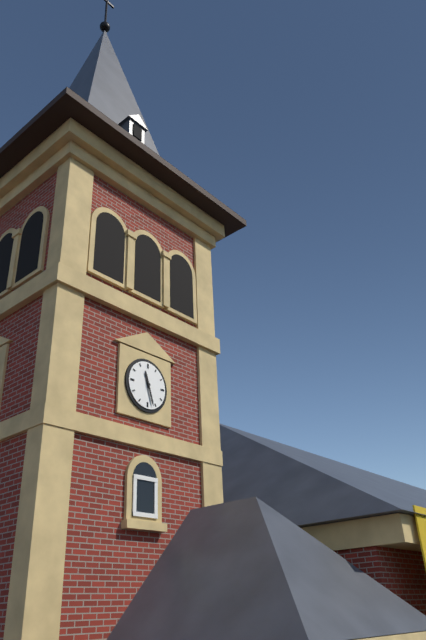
{"hour": 11, "minute": 27}
